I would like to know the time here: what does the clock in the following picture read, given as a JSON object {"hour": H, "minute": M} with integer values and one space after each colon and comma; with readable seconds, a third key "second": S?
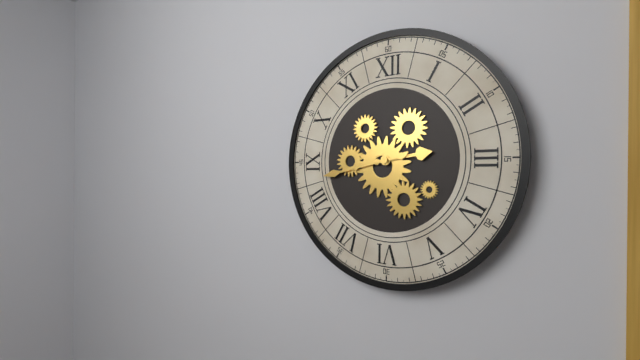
{"hour": 2, "minute": 43}
